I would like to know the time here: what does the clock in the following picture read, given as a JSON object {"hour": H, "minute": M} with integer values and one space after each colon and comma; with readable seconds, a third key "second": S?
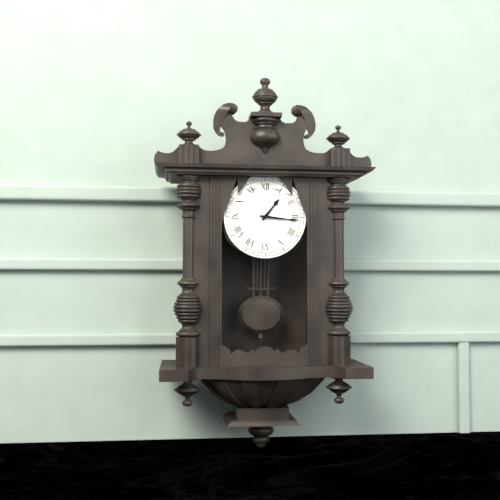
{"hour": 1, "minute": 16}
